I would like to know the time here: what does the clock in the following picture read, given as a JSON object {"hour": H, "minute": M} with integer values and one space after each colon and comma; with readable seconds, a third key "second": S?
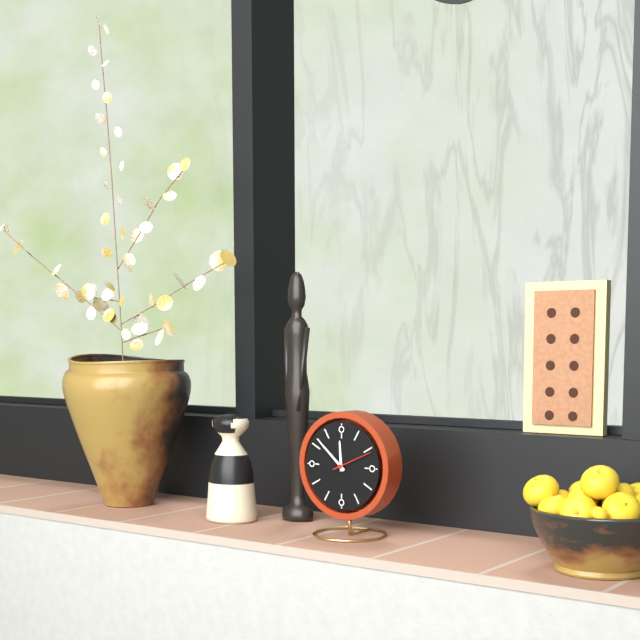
{"hour": 11, "minute": 52}
